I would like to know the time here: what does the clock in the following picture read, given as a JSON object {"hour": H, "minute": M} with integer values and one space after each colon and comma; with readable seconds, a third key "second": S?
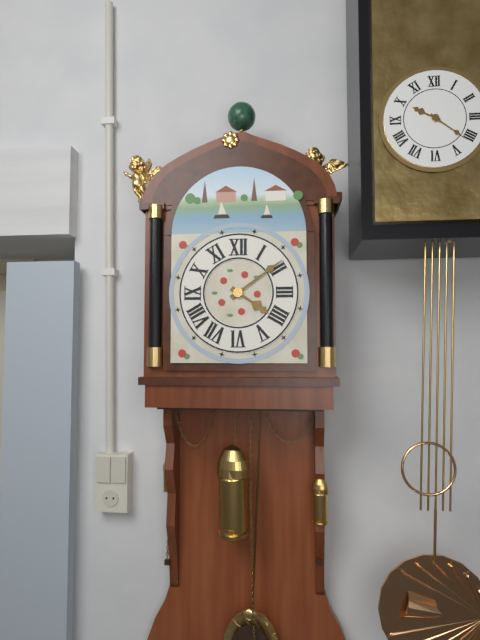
{"hour": 4, "minute": 9}
